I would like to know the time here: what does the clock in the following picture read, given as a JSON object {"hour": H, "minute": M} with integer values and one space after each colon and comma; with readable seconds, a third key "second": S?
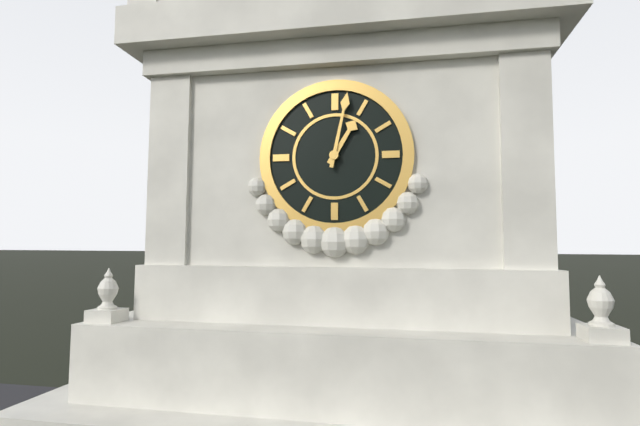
{"hour": 1, "minute": 2}
